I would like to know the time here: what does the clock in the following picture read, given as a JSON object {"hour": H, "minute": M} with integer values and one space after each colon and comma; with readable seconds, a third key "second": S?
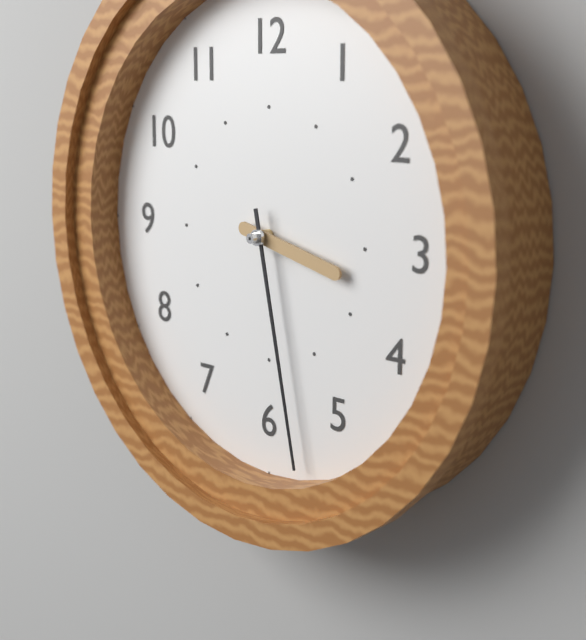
{"hour": 3, "minute": 28}
